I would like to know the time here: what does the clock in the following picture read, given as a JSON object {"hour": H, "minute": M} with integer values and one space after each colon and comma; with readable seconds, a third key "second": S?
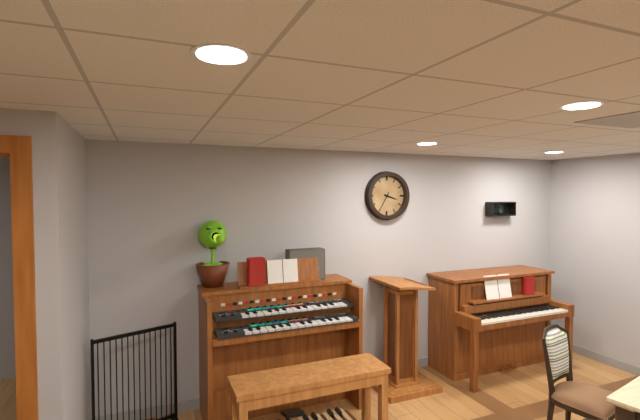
{"hour": 3, "minute": 35}
